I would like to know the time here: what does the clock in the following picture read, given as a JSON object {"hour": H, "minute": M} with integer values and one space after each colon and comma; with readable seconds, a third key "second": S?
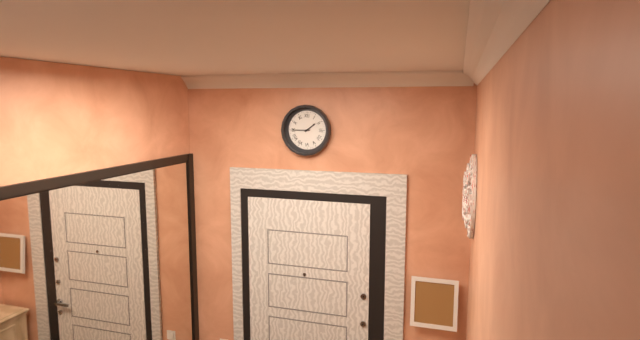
{"hour": 1, "minute": 45}
